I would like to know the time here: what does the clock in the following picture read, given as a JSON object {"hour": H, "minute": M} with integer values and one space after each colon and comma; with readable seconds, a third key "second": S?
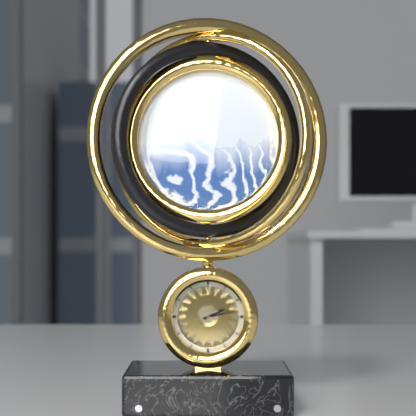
{"hour": 2, "minute": 13}
